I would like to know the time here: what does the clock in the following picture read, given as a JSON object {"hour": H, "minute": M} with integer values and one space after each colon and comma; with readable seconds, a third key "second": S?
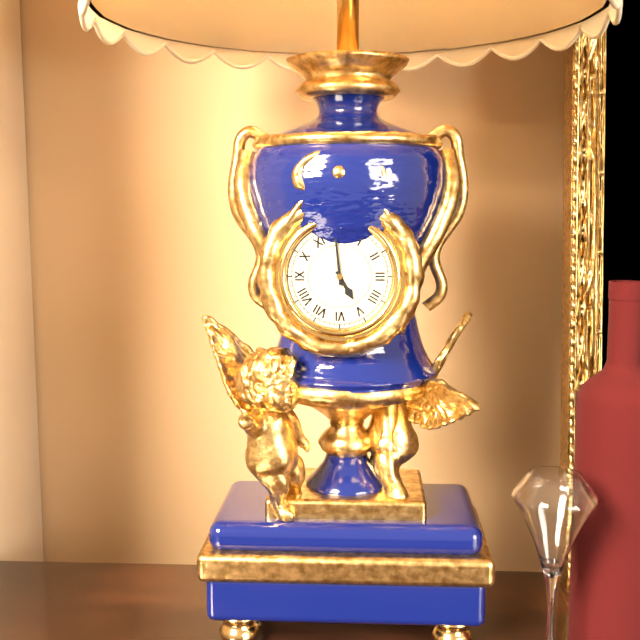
{"hour": 4, "minute": 59}
